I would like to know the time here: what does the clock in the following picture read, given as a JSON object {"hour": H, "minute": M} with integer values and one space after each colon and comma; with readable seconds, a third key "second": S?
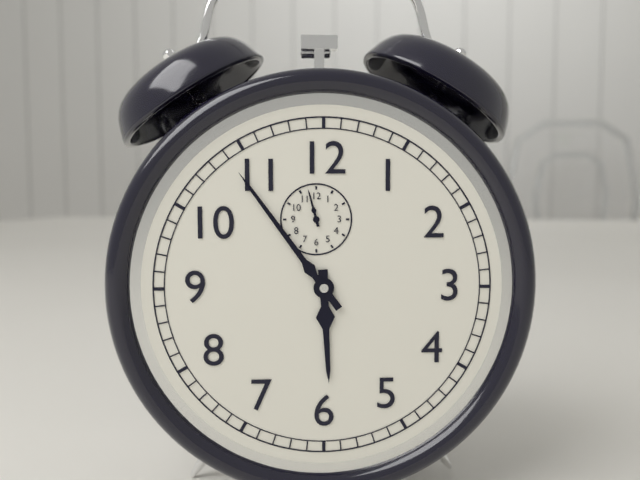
{"hour": 5, "minute": 54}
